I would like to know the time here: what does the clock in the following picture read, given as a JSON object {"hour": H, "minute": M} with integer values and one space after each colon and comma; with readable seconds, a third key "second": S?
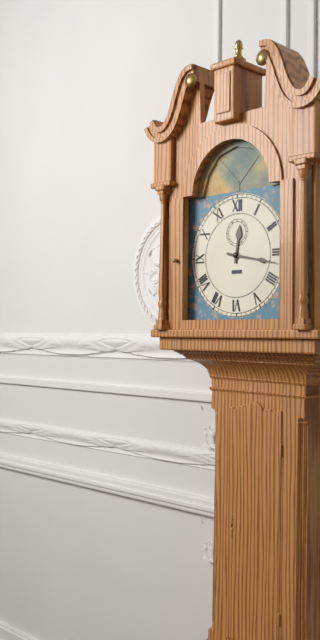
{"hour": 12, "minute": 17}
